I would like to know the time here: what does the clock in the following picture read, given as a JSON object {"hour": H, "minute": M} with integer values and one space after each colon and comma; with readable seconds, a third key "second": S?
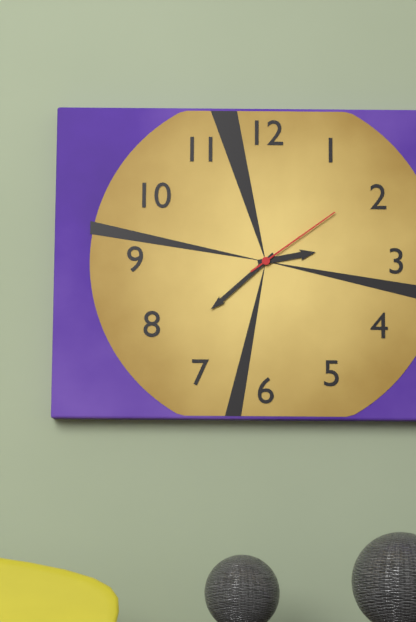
{"hour": 2, "minute": 38, "second": 9}
